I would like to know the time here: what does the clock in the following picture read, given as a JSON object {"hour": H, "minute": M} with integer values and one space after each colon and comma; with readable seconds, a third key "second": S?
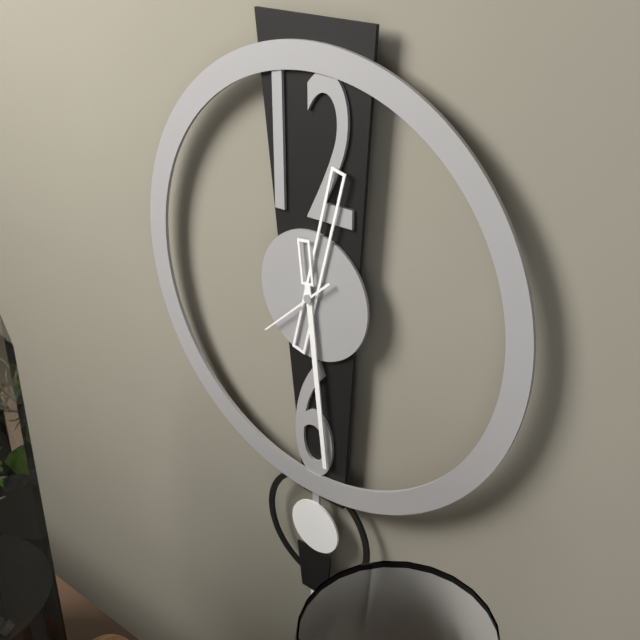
{"hour": 12, "minute": 29, "second": 38}
